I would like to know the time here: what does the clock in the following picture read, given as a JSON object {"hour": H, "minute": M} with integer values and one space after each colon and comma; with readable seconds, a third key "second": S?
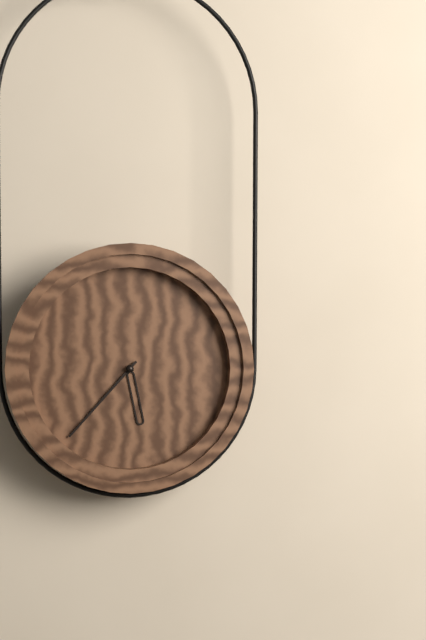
{"hour": 5, "minute": 37}
